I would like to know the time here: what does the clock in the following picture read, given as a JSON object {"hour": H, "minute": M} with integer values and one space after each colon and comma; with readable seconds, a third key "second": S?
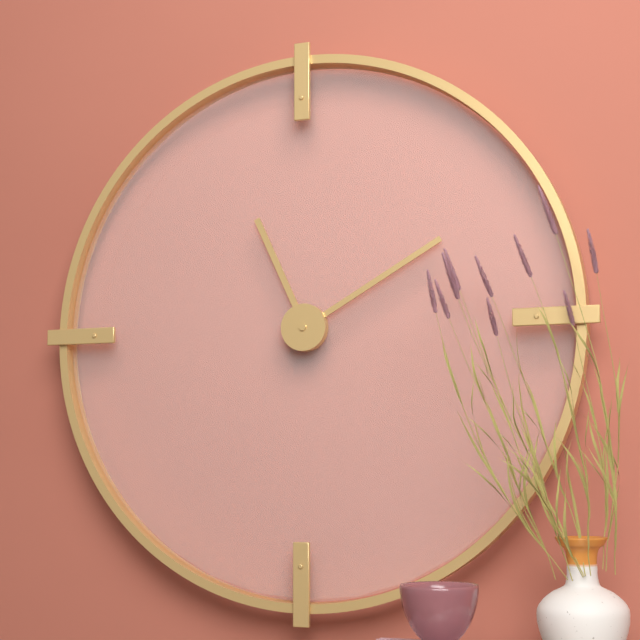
{"hour": 11, "minute": 10}
